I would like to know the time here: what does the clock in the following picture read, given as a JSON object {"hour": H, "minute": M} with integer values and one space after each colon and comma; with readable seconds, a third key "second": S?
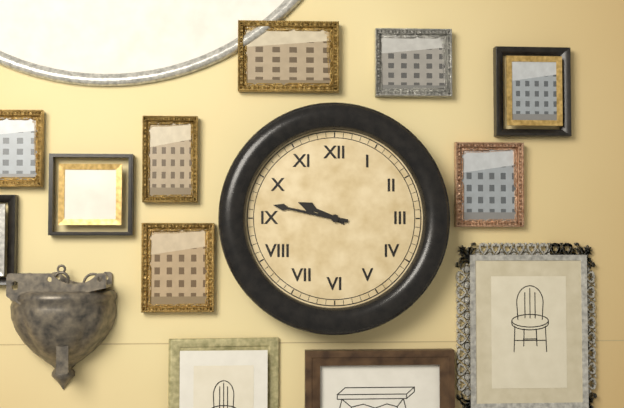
{"hour": 9, "minute": 47}
